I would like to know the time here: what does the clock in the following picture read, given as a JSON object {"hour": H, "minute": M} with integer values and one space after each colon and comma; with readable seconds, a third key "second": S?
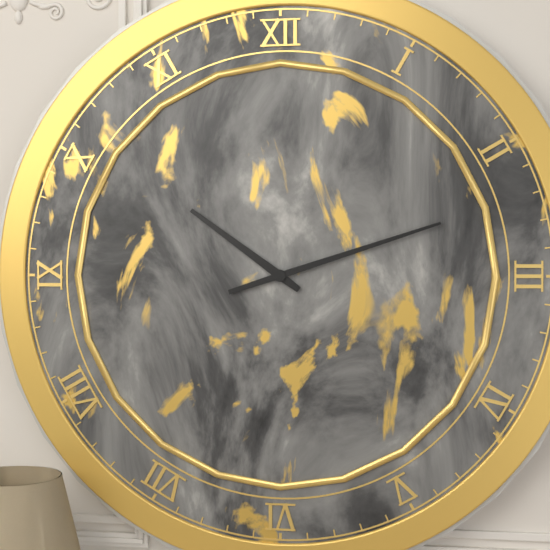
{"hour": 10, "minute": 12}
